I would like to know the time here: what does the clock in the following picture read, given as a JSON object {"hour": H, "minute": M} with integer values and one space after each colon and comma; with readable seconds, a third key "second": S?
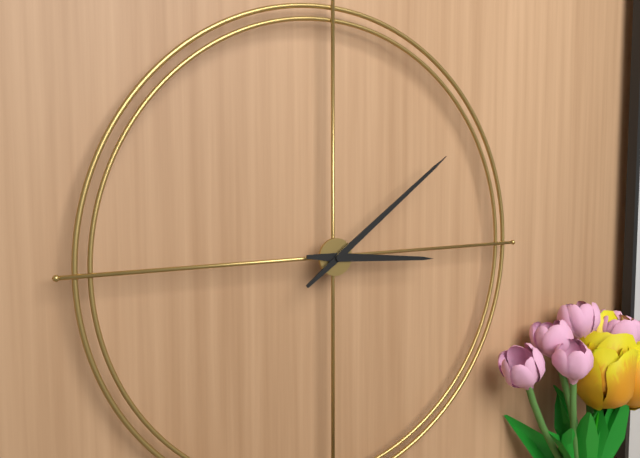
{"hour": 3, "minute": 9}
